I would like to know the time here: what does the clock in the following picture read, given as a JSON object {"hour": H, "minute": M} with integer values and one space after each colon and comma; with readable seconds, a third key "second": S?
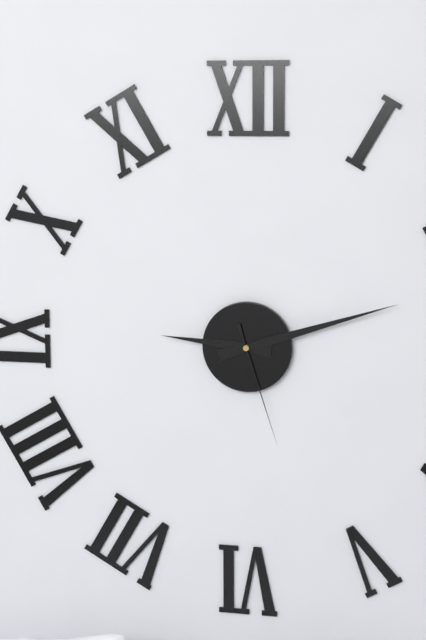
{"hour": 9, "minute": 12, "second": 27}
